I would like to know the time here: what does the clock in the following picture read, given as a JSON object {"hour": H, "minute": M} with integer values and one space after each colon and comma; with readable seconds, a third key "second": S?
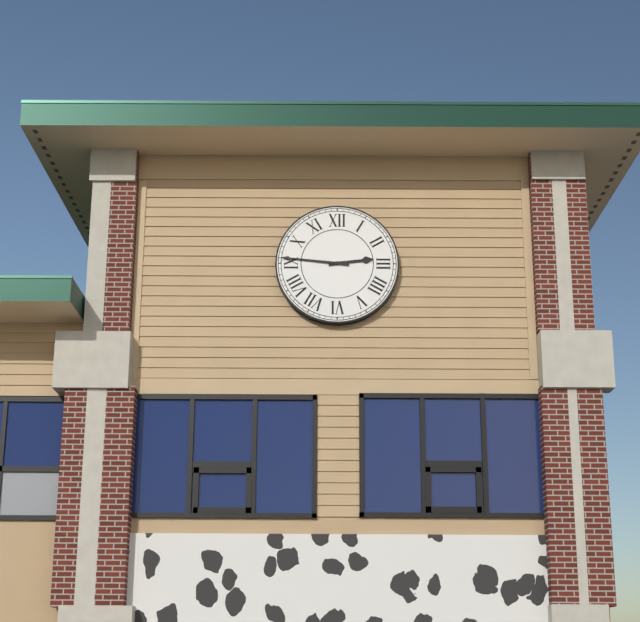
{"hour": 2, "minute": 46}
